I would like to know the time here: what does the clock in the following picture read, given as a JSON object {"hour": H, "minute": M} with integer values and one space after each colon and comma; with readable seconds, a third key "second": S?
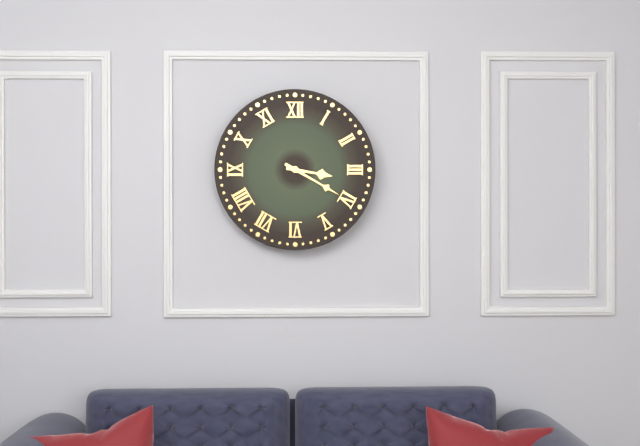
{"hour": 3, "minute": 20}
